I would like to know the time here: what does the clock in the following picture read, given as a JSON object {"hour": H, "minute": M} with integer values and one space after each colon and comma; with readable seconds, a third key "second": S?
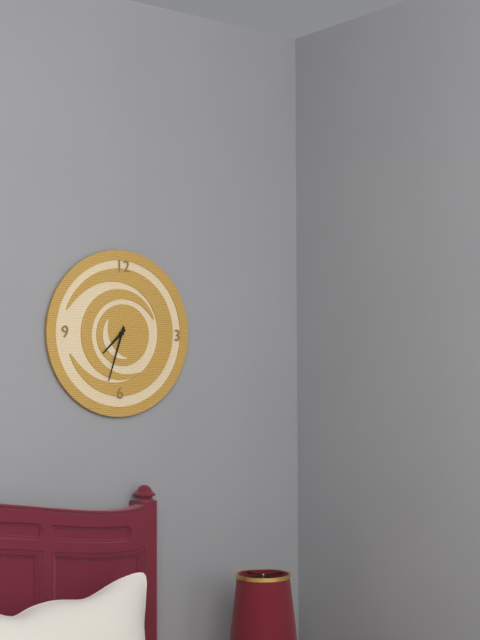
{"hour": 7, "minute": 33}
